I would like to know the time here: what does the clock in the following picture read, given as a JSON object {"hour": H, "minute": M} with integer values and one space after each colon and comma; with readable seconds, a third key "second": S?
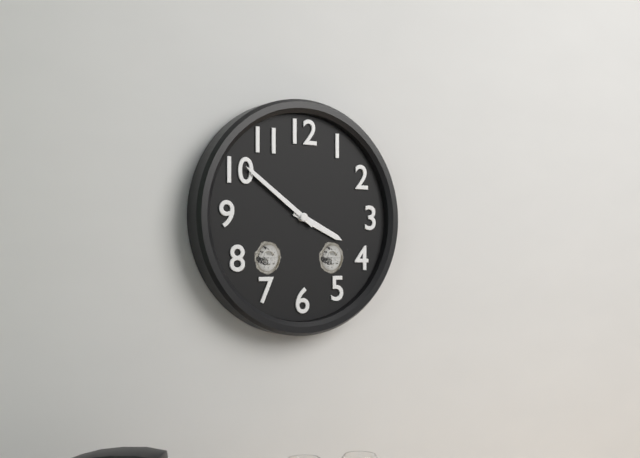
{"hour": 3, "minute": 51}
